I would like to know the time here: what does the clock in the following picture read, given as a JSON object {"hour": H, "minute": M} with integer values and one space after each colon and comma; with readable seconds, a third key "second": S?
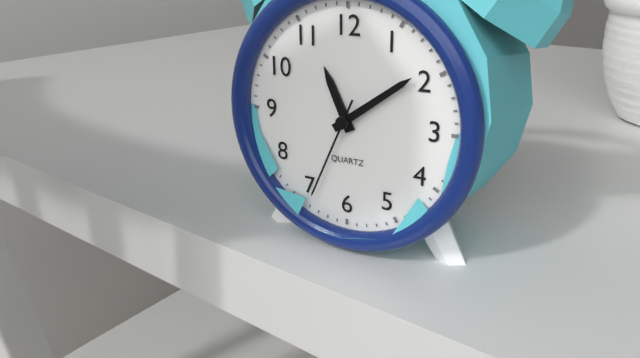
{"hour": 11, "minute": 9, "second": 34}
